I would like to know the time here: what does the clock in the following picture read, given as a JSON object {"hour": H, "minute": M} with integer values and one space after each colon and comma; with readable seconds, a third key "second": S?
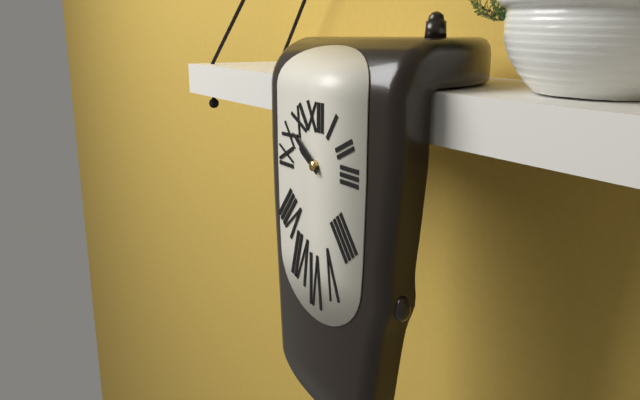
{"hour": 9, "minute": 51}
